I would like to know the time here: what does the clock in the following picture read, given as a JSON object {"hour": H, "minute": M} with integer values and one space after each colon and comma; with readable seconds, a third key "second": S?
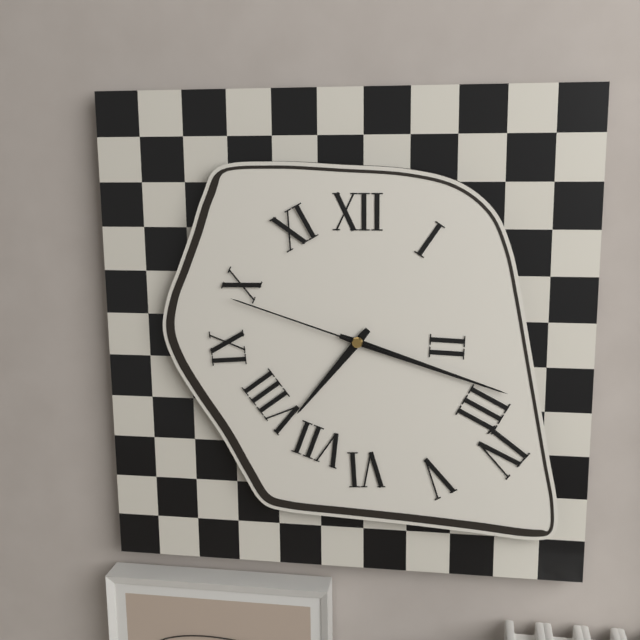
{"hour": 7, "minute": 18, "second": 48}
